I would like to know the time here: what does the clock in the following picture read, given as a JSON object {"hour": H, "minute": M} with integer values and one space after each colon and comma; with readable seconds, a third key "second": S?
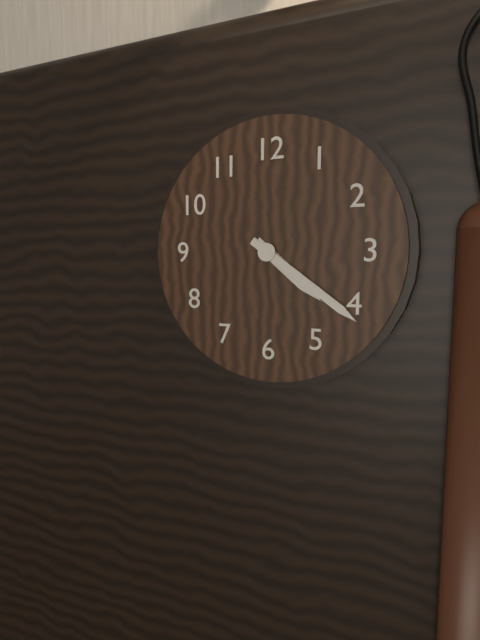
{"hour": 4, "minute": 21}
